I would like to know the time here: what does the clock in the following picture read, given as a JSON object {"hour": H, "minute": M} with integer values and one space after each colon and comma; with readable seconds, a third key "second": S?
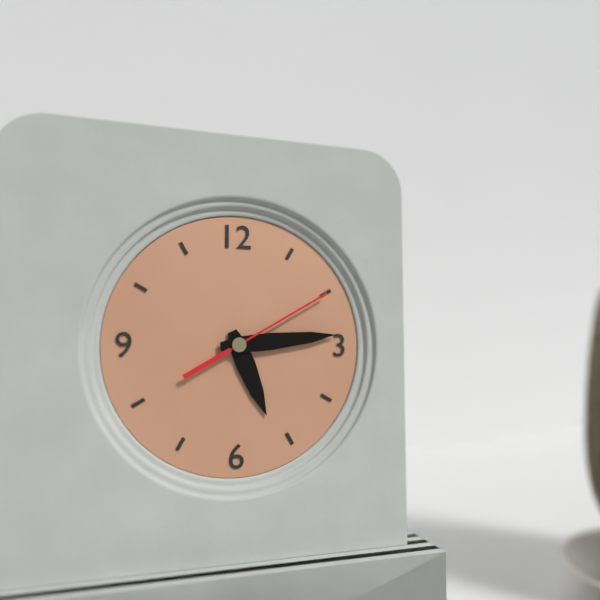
{"hour": 5, "minute": 14, "second": 10}
